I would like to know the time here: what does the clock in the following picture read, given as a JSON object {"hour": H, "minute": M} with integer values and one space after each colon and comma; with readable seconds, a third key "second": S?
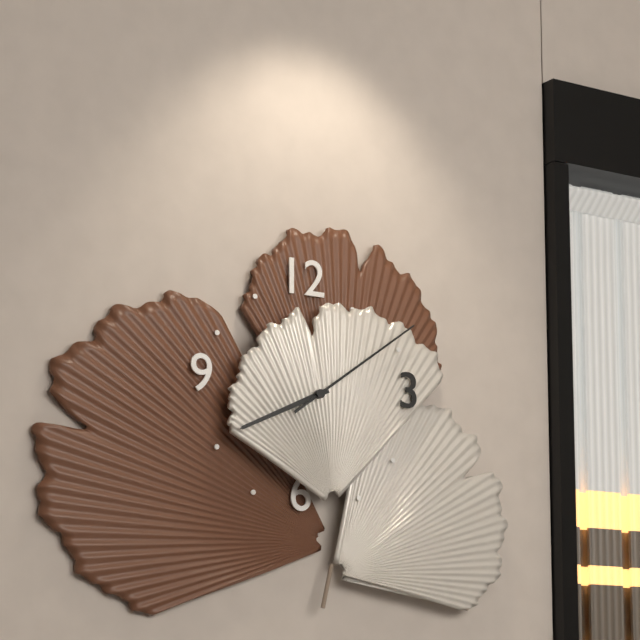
{"hour": 8, "minute": 9}
